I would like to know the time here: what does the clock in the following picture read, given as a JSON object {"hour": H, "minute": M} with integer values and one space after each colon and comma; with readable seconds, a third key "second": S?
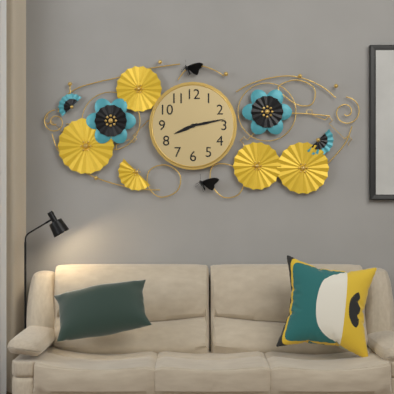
{"hour": 8, "minute": 13}
